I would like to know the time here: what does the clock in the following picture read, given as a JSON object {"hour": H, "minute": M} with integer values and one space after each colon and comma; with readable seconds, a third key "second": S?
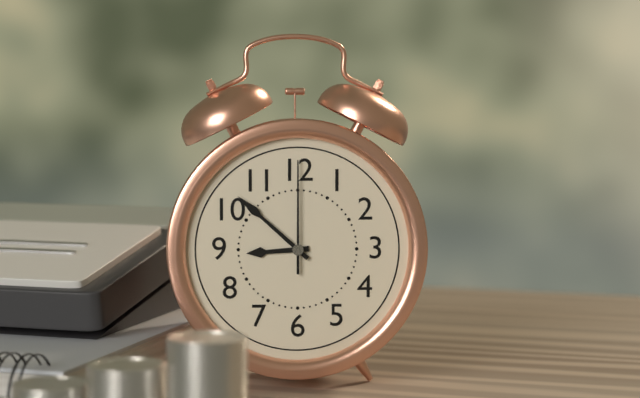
{"hour": 8, "minute": 52, "second": 0}
